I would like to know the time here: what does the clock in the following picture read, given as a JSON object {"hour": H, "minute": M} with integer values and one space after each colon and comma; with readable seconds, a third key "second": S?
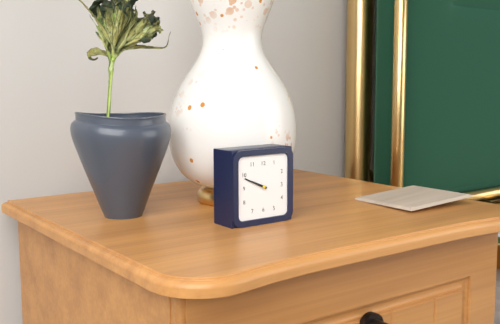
{"hour": 9, "minute": 49}
